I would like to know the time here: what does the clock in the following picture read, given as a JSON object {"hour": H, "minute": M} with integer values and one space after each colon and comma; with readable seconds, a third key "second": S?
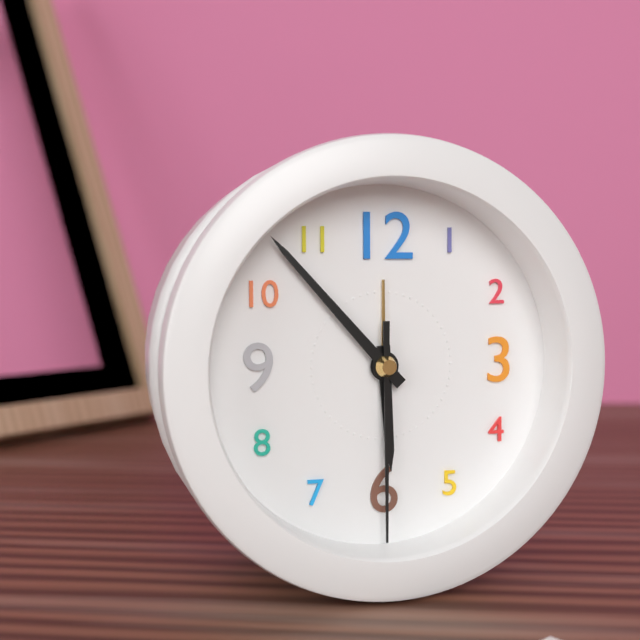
{"hour": 5, "minute": 53, "second": 30}
